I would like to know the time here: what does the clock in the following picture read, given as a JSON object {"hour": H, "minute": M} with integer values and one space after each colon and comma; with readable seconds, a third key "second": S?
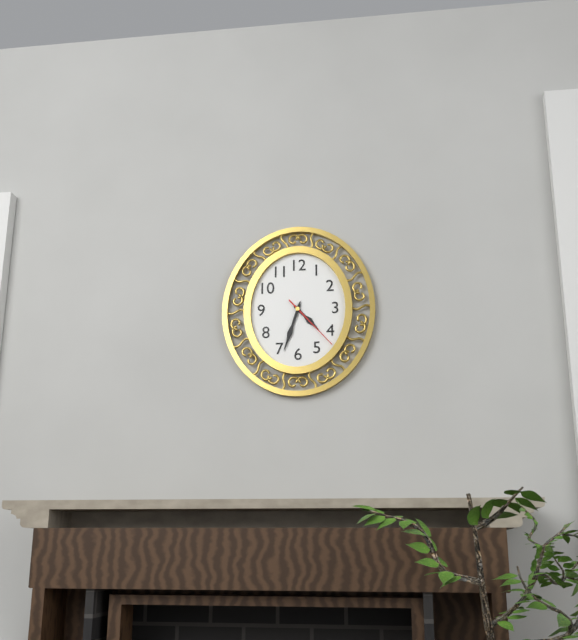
{"hour": 4, "minute": 33, "second": 23}
